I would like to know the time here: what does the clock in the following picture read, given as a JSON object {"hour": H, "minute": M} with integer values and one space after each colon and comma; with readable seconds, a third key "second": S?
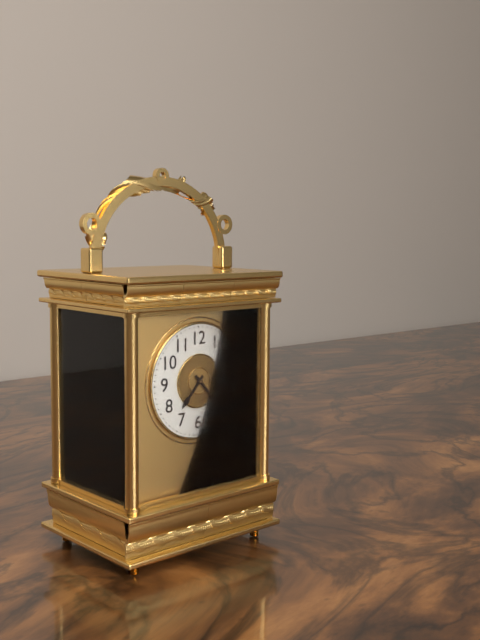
{"hour": 7, "minute": 23}
